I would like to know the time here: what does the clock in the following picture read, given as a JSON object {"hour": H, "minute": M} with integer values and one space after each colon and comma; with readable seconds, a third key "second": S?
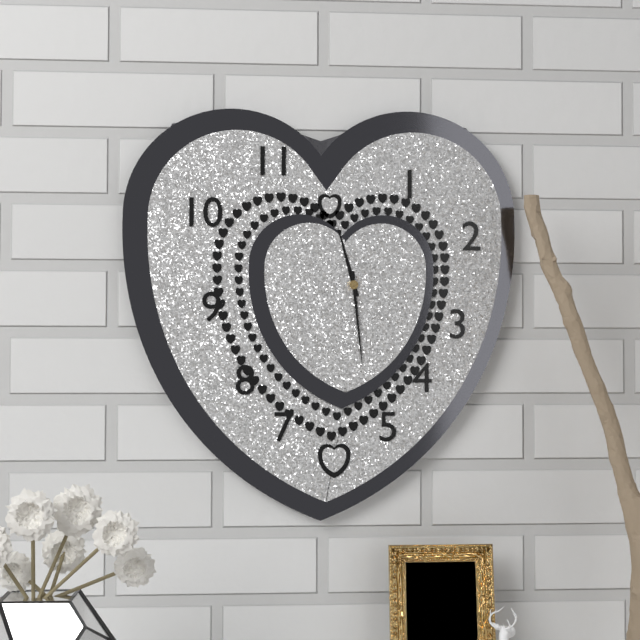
{"hour": 11, "minute": 29}
